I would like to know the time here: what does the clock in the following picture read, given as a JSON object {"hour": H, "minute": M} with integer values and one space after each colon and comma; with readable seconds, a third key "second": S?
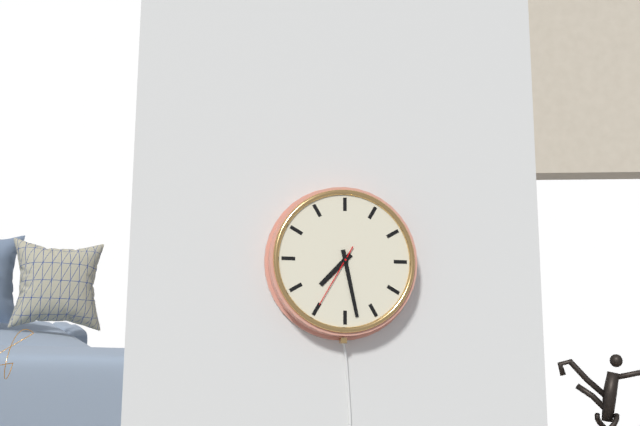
{"hour": 7, "minute": 28, "second": 35}
